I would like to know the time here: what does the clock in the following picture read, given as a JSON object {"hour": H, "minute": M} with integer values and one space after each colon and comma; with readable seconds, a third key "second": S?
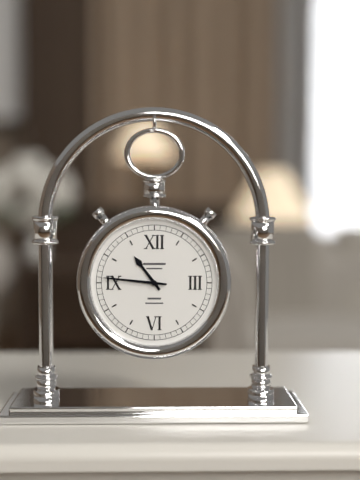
{"hour": 10, "minute": 46}
